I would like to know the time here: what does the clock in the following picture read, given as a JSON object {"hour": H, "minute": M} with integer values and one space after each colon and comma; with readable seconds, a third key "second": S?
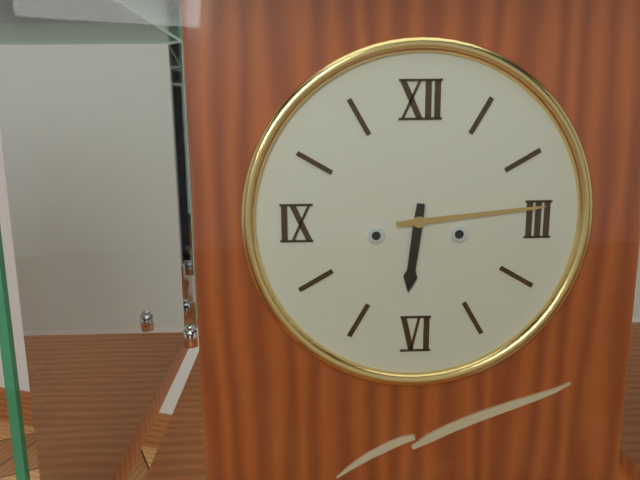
{"hour": 6, "minute": 14}
